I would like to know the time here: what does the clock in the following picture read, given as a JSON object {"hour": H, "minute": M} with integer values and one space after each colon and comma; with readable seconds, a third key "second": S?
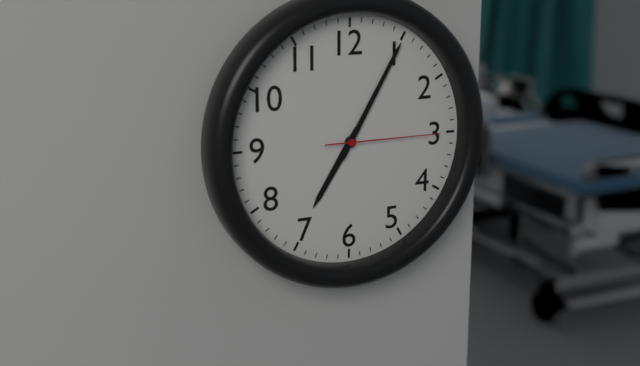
{"hour": 7, "minute": 5, "second": 15}
